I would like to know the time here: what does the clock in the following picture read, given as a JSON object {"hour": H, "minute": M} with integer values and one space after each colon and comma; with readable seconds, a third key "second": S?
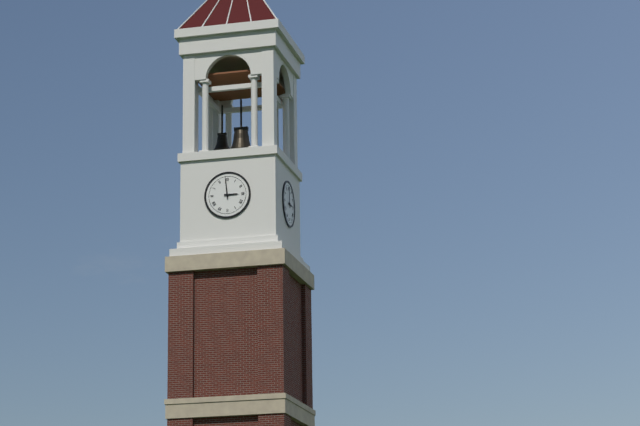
{"hour": 2, "minute": 59}
